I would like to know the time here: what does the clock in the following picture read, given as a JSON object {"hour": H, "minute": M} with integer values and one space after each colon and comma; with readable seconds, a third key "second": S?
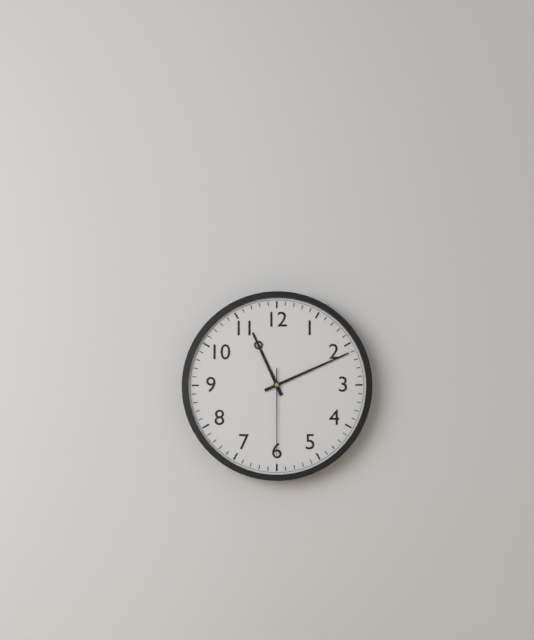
{"hour": 11, "minute": 11, "second": 30}
